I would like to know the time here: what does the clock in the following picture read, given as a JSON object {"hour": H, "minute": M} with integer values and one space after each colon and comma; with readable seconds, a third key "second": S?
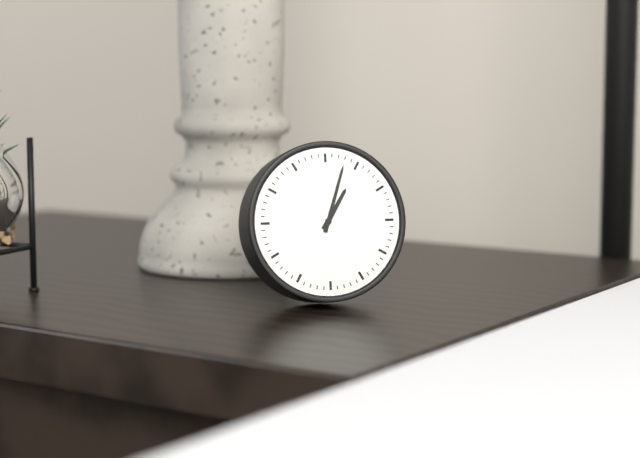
{"hour": 1, "minute": 3}
